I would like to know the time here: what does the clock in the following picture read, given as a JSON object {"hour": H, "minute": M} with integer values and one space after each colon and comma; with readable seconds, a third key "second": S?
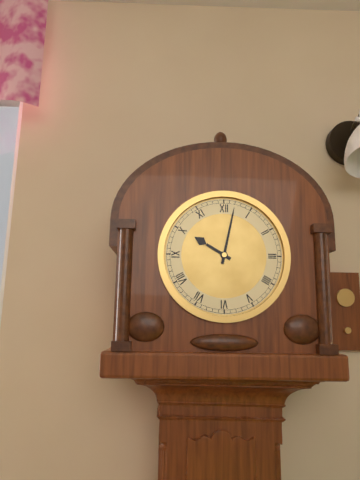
{"hour": 10, "minute": 2}
